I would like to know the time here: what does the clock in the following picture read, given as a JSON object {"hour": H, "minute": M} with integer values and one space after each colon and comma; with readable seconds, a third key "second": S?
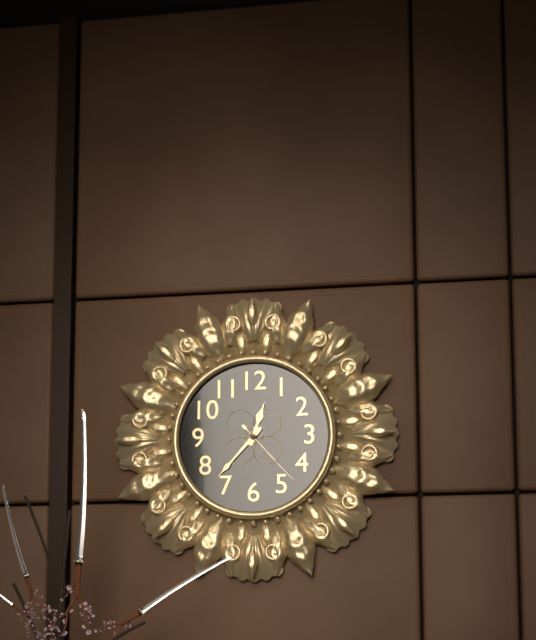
{"hour": 12, "minute": 37, "second": 23}
